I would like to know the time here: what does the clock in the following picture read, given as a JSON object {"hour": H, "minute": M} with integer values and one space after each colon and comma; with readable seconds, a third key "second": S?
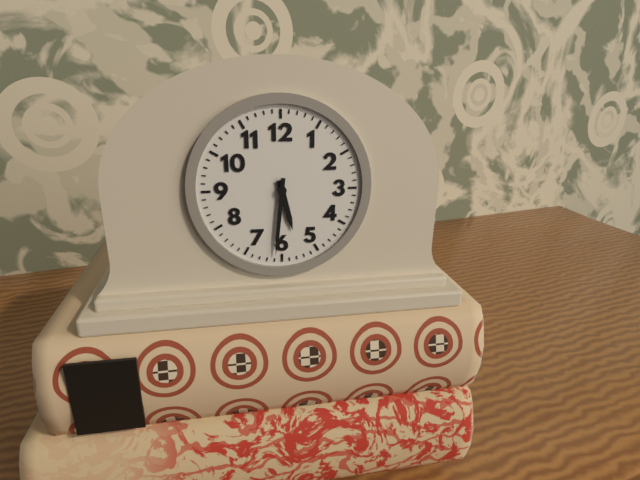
{"hour": 5, "minute": 31}
